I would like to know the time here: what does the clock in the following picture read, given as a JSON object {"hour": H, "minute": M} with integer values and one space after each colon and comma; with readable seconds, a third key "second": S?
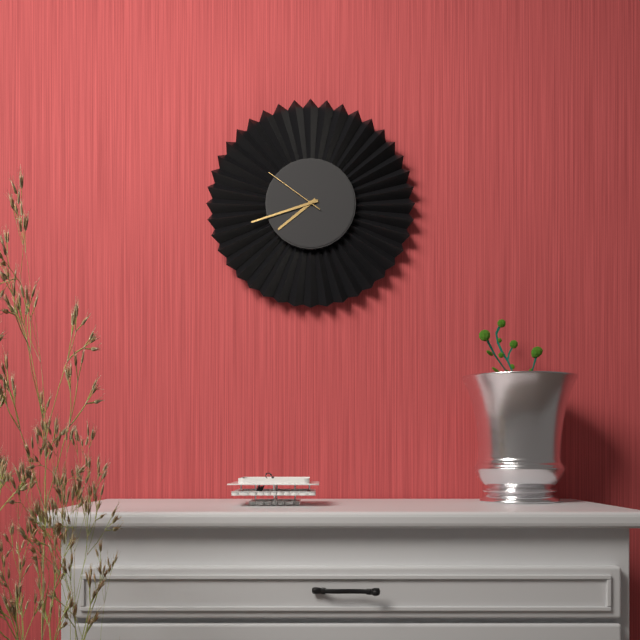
{"hour": 7, "minute": 42, "second": 51}
